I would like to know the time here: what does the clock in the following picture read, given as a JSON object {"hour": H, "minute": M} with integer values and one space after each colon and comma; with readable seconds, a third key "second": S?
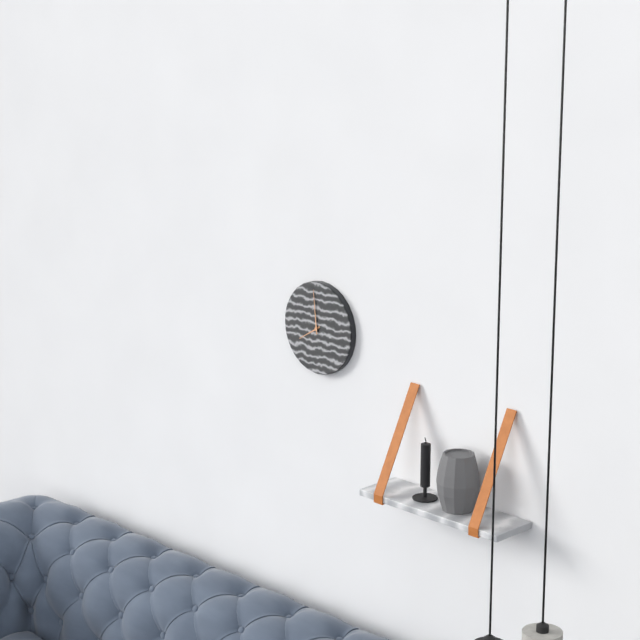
{"hour": 7, "minute": 59}
